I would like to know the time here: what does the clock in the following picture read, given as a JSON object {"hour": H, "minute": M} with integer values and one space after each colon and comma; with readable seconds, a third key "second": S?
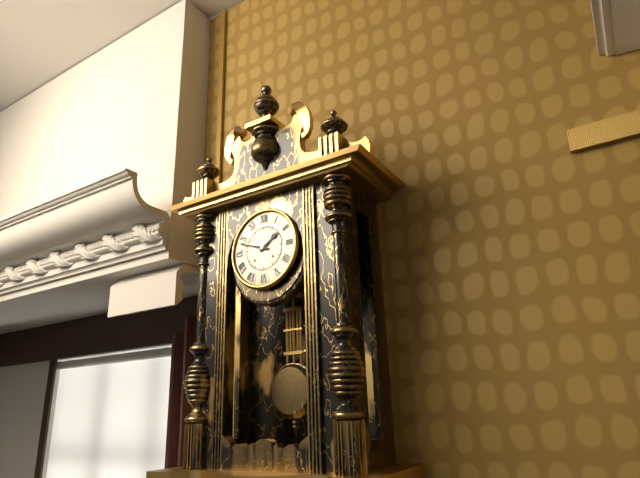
{"hour": 1, "minute": 48}
